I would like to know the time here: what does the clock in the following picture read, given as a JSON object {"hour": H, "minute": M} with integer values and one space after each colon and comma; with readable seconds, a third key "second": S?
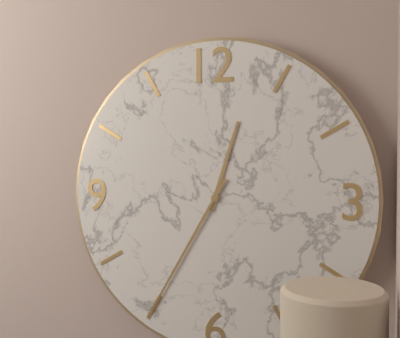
{"hour": 12, "minute": 35}
